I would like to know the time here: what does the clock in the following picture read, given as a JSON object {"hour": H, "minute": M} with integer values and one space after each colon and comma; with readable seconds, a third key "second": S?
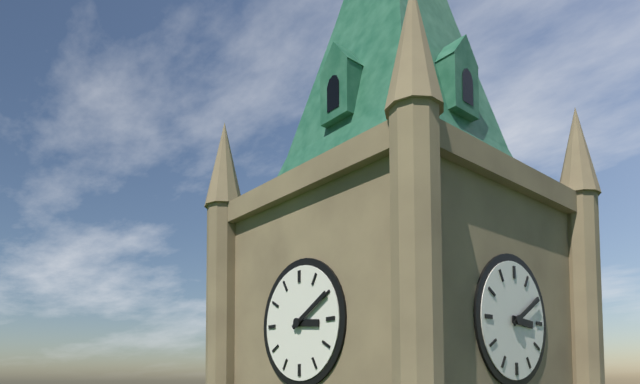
{"hour": 3, "minute": 10}
